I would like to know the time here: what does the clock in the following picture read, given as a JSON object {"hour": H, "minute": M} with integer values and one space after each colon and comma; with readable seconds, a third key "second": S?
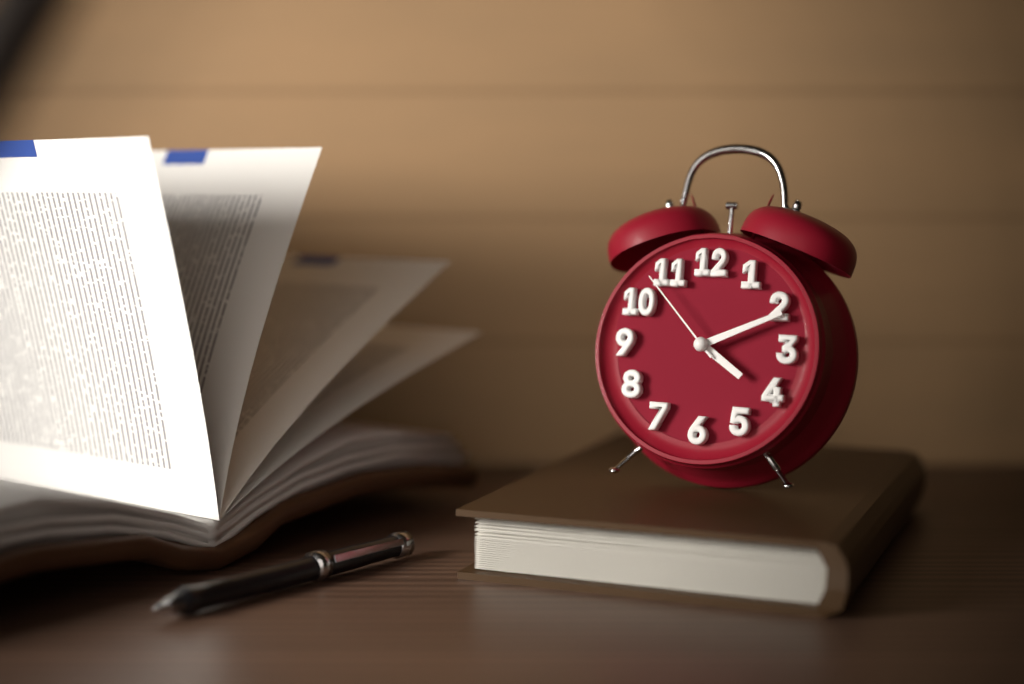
{"hour": 4, "minute": 11, "second": 53}
